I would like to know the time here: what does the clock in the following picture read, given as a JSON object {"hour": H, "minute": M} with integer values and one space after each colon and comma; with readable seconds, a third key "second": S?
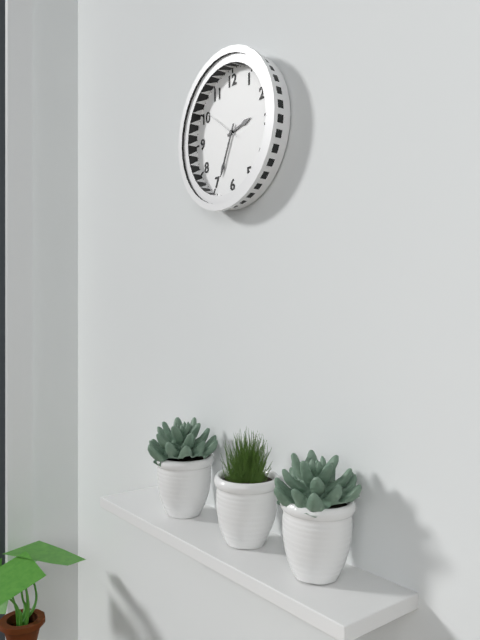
{"hour": 2, "minute": 34}
